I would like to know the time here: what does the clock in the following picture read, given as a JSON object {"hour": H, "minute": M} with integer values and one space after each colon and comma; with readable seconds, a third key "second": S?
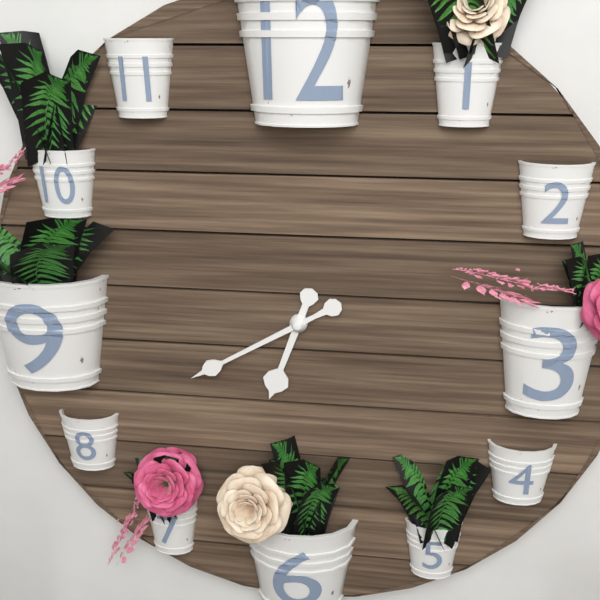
{"hour": 6, "minute": 40}
